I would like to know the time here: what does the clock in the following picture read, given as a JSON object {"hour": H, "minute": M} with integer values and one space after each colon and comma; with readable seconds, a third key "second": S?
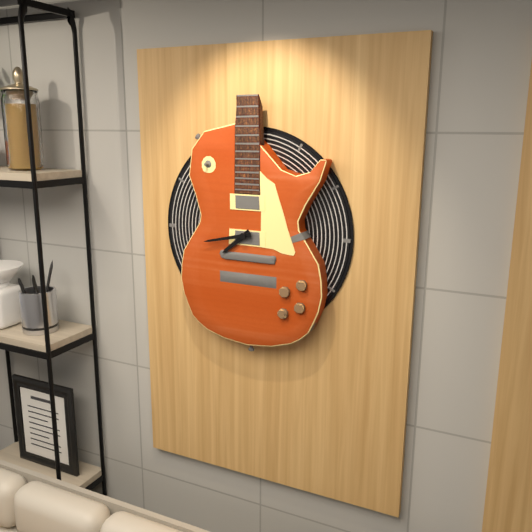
{"hour": 7, "minute": 43}
